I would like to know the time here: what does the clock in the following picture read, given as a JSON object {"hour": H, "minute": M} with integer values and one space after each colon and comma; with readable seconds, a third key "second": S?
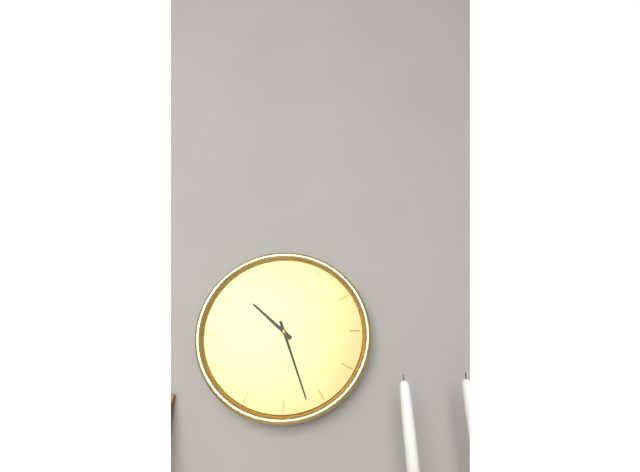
{"hour": 10, "minute": 27}
